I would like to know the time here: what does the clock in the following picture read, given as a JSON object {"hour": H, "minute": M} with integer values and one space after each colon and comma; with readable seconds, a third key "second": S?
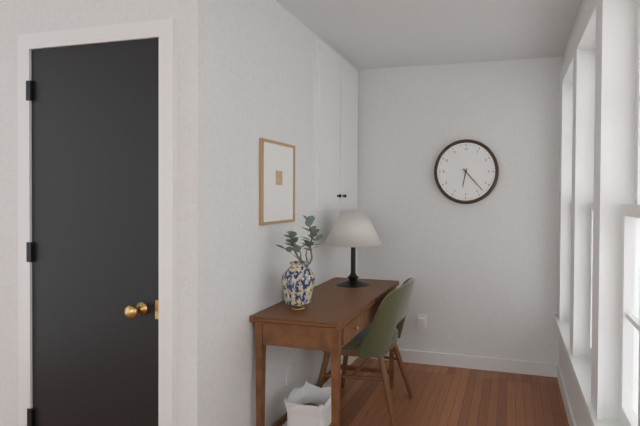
{"hour": 6, "minute": 23}
